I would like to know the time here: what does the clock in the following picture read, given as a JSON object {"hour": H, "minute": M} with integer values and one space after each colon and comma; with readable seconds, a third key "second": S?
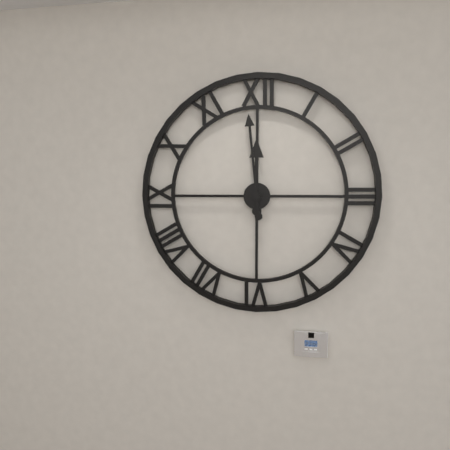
{"hour": 11, "minute": 59}
